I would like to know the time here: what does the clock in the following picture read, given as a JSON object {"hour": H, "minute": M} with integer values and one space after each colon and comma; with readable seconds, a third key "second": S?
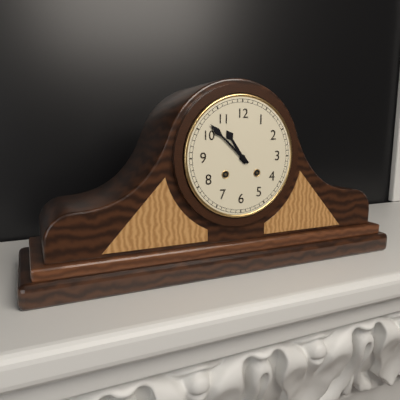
{"hour": 10, "minute": 52}
